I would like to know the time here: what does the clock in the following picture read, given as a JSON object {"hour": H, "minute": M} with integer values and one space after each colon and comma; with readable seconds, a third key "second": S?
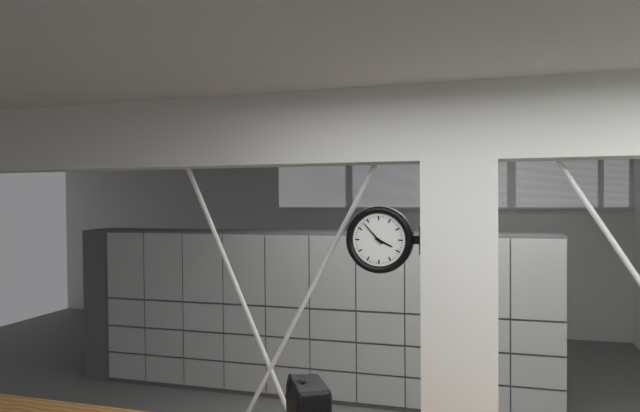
{"hour": 3, "minute": 53}
